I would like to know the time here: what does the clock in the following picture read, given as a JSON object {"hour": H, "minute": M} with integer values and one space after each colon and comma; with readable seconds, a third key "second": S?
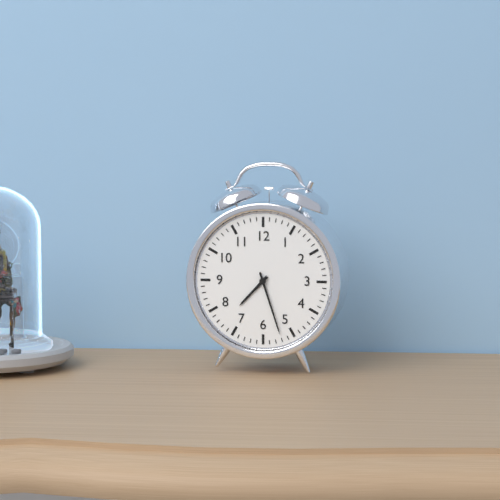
{"hour": 7, "minute": 27}
